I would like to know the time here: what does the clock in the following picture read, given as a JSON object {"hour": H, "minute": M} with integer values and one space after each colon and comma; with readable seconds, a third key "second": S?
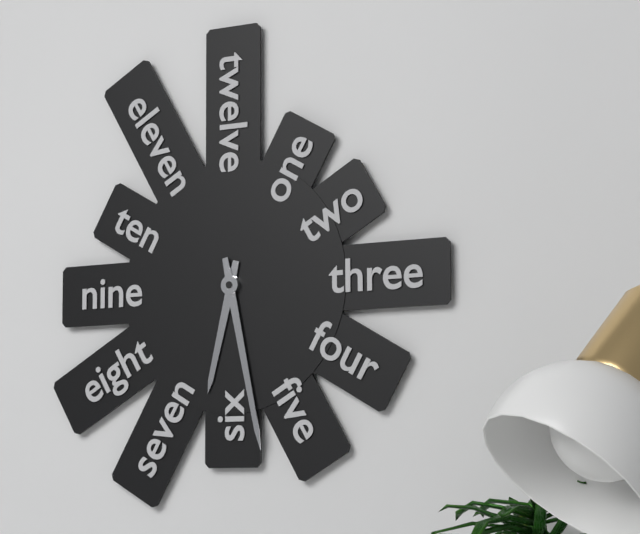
{"hour": 6, "minute": 28}
